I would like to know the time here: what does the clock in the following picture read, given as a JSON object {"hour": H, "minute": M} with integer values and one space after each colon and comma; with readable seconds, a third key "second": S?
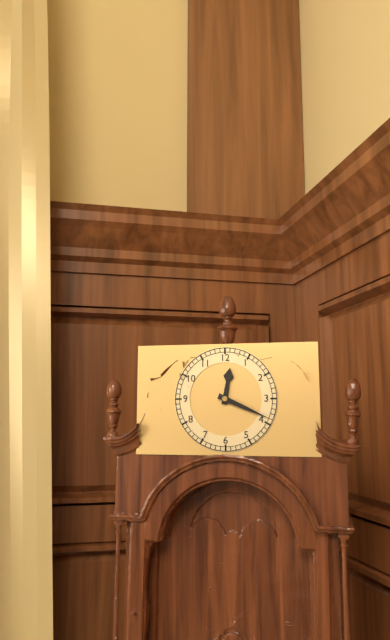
{"hour": 12, "minute": 19}
